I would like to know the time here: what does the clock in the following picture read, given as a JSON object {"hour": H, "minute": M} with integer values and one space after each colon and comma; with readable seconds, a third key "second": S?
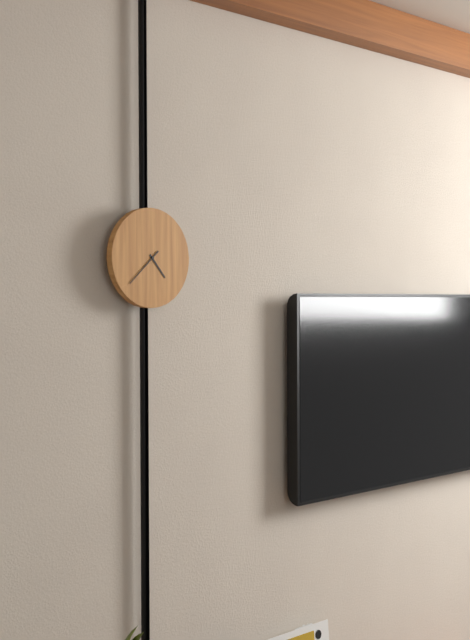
{"hour": 4, "minute": 38}
